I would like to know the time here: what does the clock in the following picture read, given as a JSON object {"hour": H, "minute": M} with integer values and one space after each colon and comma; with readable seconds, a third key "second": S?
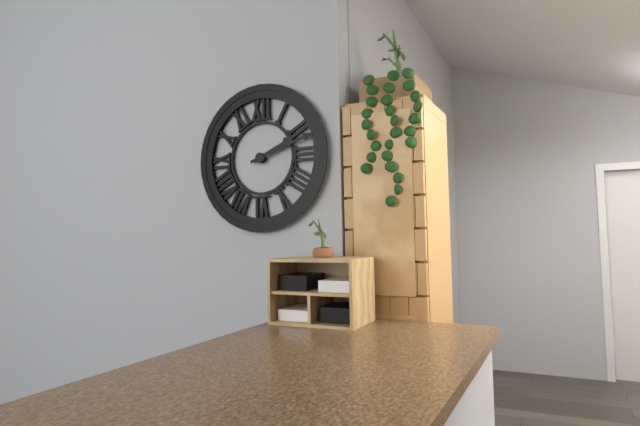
{"hour": 2, "minute": 12}
